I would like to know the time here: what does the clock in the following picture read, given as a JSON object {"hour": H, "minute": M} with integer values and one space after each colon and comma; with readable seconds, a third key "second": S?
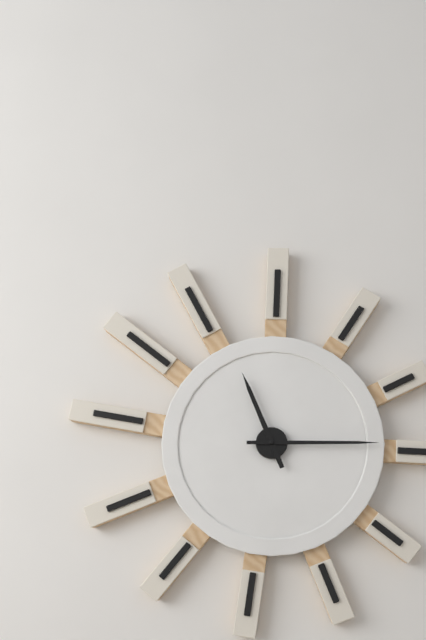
{"hour": 11, "minute": 15}
